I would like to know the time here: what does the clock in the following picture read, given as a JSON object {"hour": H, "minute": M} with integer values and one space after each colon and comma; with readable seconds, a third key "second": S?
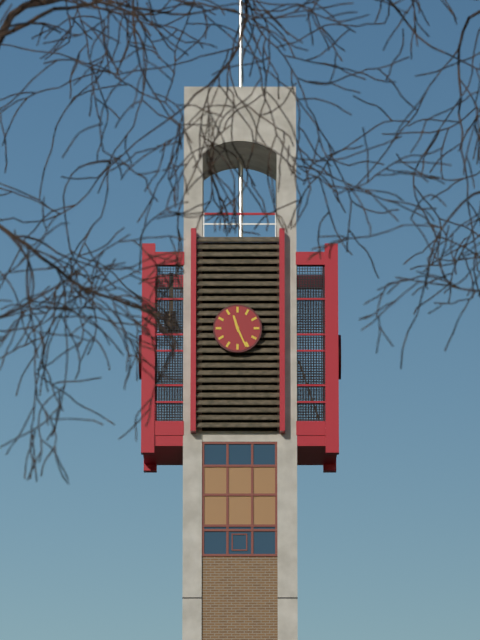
{"hour": 11, "minute": 26}
